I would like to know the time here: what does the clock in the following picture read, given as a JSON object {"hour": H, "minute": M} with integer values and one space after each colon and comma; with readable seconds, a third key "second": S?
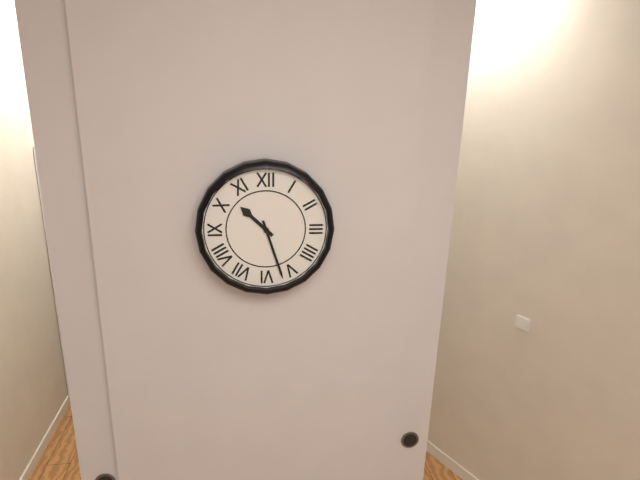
{"hour": 10, "minute": 27}
